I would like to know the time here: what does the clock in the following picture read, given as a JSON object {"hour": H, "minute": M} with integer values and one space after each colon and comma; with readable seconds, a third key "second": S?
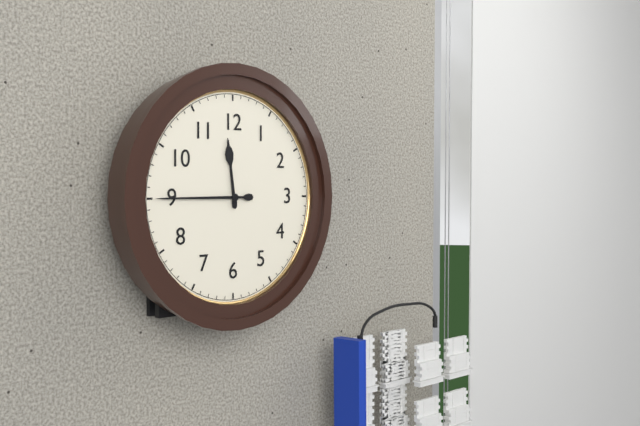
{"hour": 11, "minute": 45}
